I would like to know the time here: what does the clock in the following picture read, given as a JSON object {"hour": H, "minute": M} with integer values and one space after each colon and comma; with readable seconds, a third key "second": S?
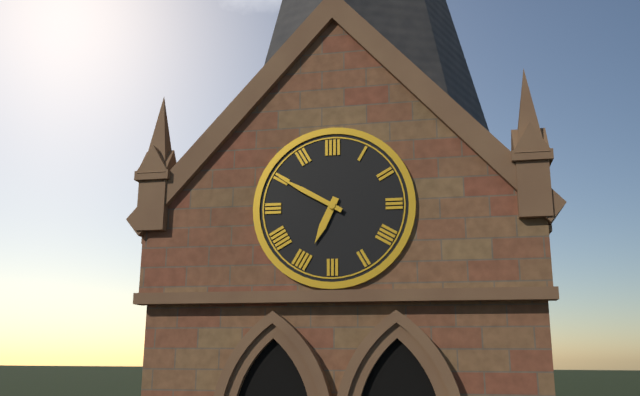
{"hour": 6, "minute": 50}
